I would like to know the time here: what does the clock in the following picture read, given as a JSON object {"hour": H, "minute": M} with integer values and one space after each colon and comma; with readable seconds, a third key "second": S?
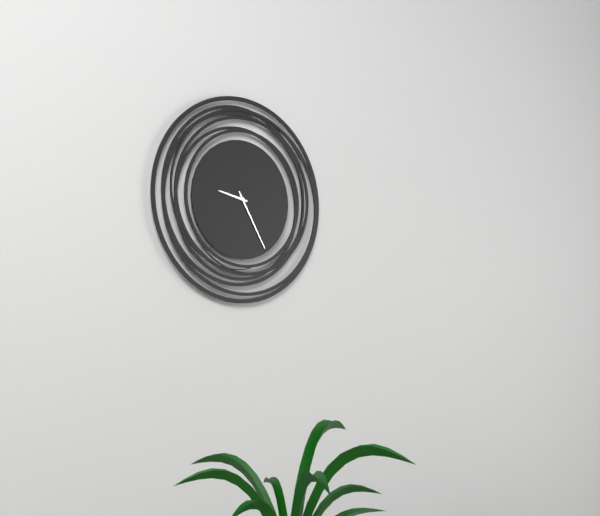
{"hour": 9, "minute": 25}
